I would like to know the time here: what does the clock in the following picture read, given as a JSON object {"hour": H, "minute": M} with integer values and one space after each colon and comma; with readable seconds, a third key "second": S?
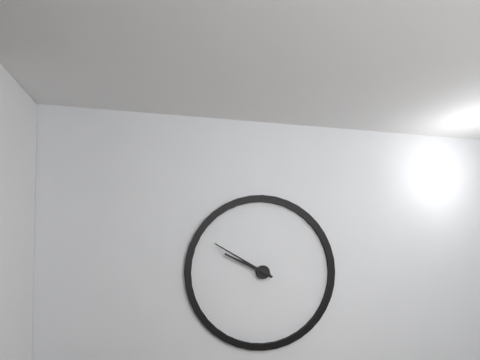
{"hour": 9, "minute": 50}
